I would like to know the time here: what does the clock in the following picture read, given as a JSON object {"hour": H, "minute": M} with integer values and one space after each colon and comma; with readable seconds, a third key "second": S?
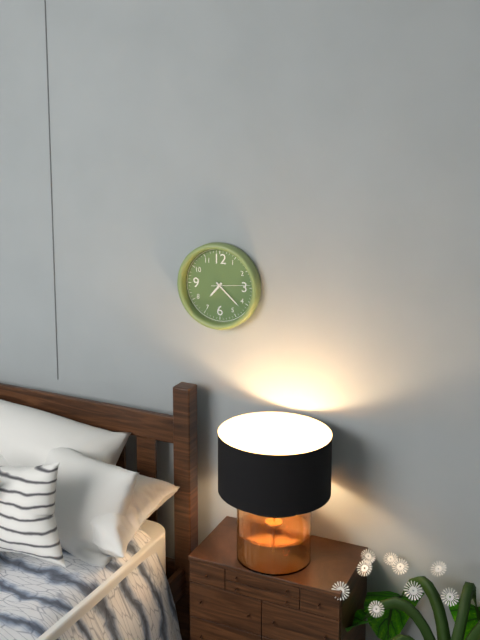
{"hour": 7, "minute": 22}
